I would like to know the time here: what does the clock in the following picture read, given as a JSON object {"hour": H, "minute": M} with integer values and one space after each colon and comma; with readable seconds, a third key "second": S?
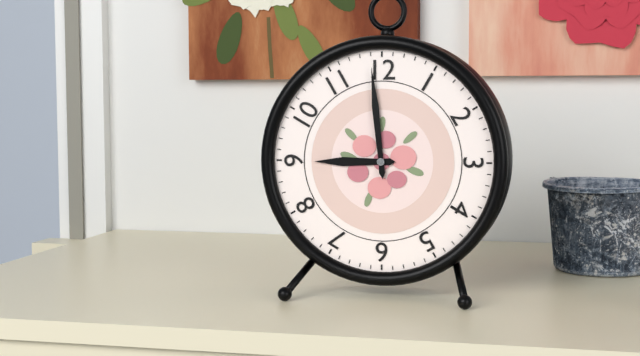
{"hour": 8, "minute": 59}
